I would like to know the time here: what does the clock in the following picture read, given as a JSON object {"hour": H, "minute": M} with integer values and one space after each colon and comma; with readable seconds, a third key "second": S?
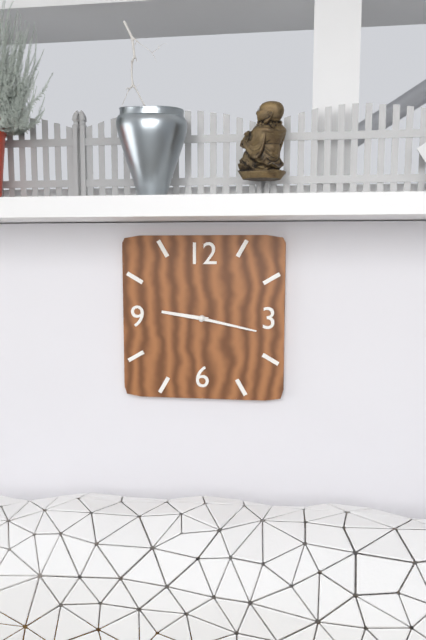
{"hour": 9, "minute": 17}
